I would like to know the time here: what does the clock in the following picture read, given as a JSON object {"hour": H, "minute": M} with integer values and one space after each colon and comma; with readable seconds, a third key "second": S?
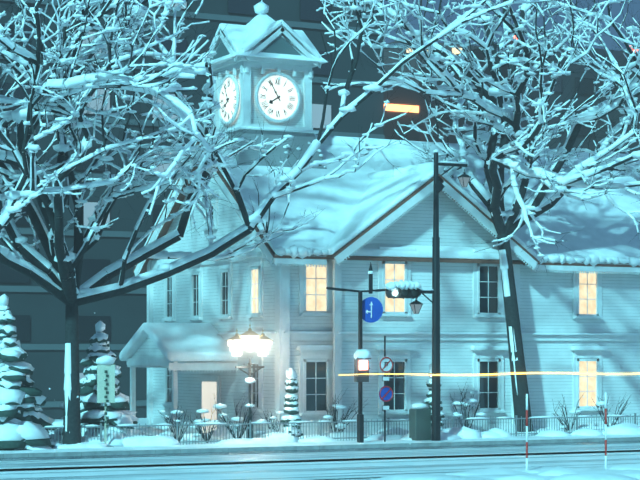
{"hour": 7, "minute": 55}
